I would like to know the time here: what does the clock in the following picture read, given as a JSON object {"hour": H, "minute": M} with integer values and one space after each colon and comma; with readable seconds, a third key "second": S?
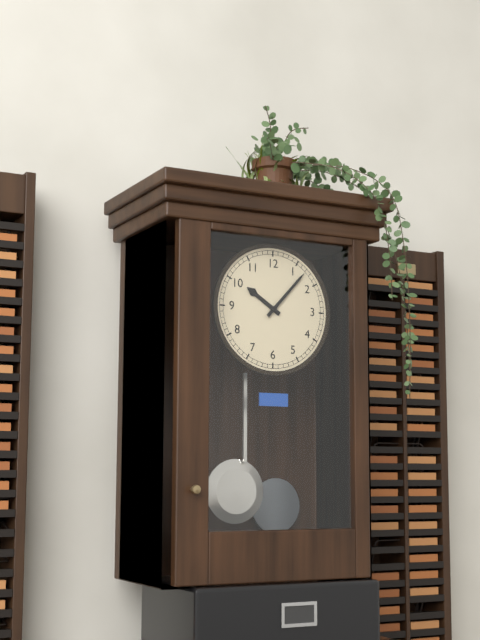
{"hour": 10, "minute": 7}
